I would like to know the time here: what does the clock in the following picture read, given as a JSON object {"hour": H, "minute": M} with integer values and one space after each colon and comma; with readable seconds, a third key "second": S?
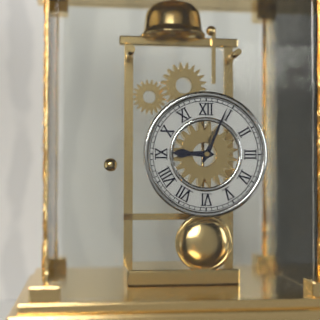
{"hour": 9, "minute": 4}
